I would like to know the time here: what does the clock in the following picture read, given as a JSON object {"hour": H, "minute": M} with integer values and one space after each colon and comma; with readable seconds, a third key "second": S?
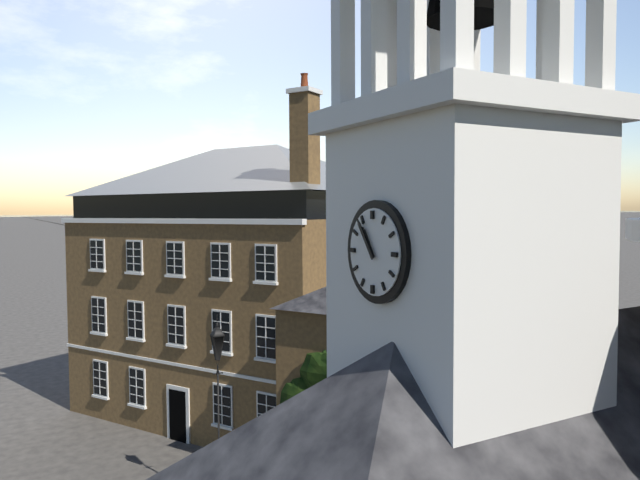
{"hour": 10, "minute": 54}
